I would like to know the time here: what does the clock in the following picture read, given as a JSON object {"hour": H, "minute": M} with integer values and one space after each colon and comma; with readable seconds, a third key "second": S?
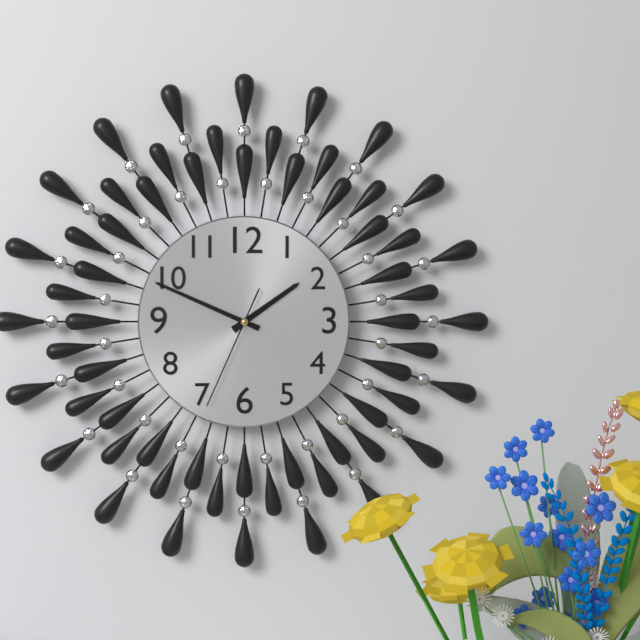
{"hour": 1, "minute": 49, "second": 34}
